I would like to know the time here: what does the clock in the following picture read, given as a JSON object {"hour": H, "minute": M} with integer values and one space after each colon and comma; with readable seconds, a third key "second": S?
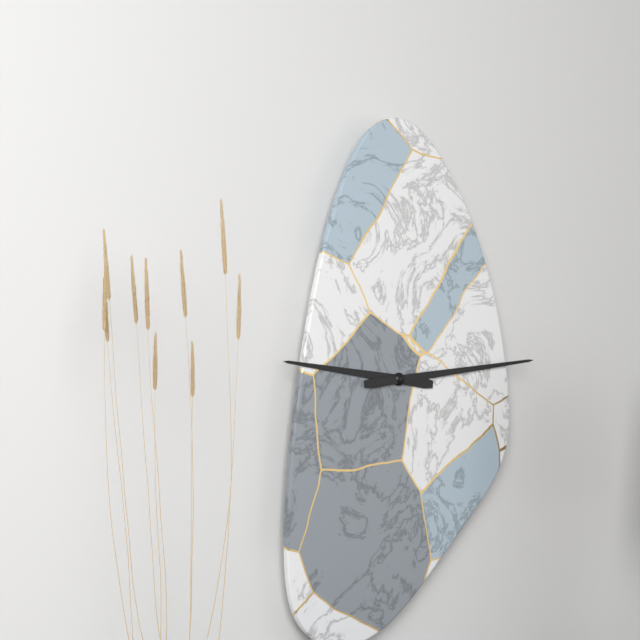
{"hour": 9, "minute": 14}
